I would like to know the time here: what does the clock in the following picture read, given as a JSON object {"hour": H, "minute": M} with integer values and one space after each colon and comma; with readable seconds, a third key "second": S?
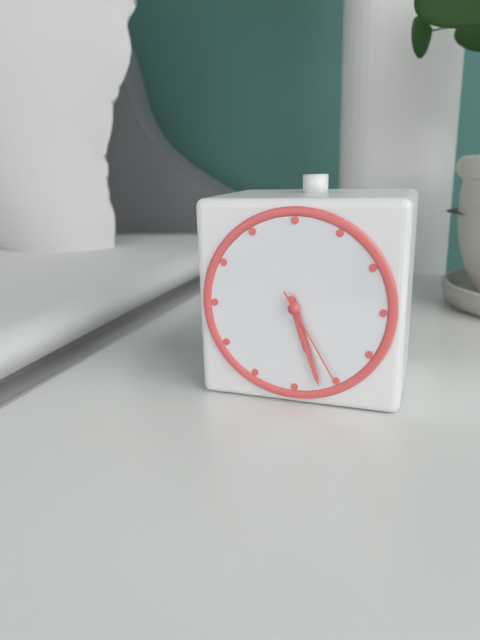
{"hour": 5, "minute": 27, "second": 25}
